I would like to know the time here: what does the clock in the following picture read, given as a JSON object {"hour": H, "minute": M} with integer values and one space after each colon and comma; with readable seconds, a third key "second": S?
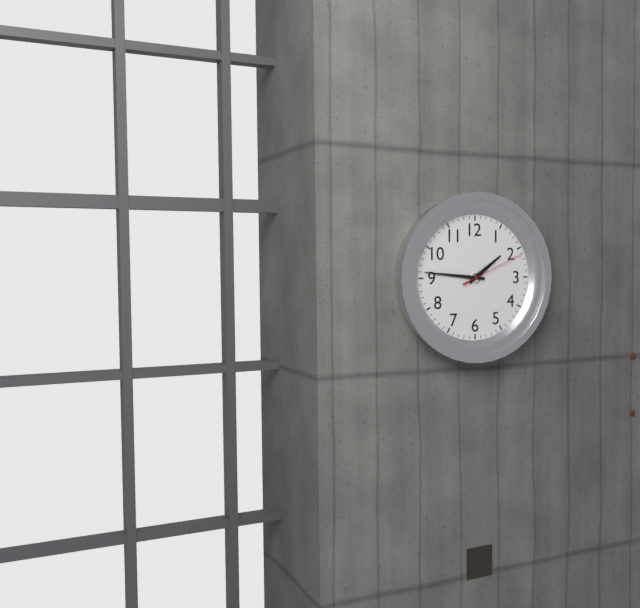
{"hour": 1, "minute": 46, "second": 11}
